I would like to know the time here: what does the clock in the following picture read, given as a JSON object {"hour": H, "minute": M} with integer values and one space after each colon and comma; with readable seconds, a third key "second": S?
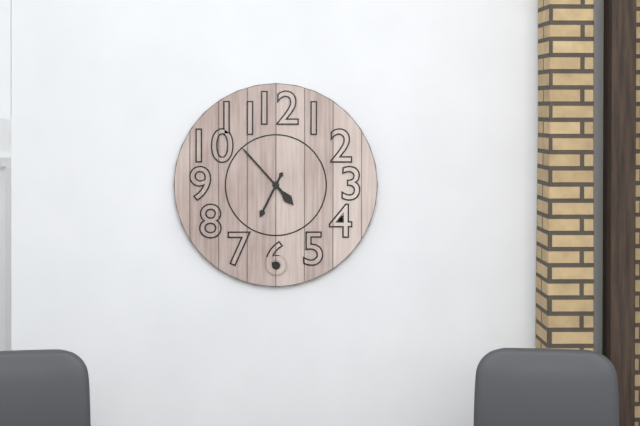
{"hour": 6, "minute": 53}
